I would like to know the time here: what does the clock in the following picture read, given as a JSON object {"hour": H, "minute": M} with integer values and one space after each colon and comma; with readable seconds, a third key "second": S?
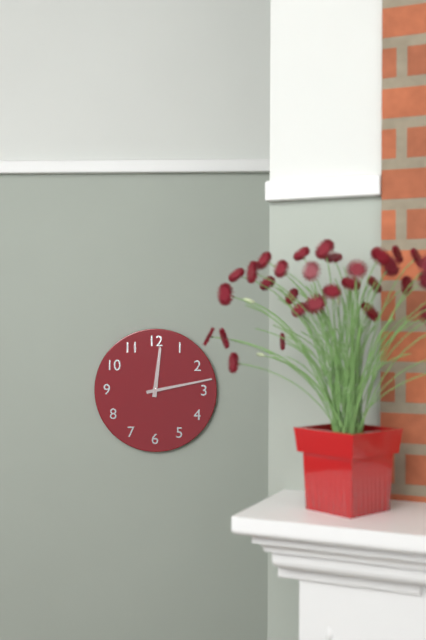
{"hour": 12, "minute": 13}
